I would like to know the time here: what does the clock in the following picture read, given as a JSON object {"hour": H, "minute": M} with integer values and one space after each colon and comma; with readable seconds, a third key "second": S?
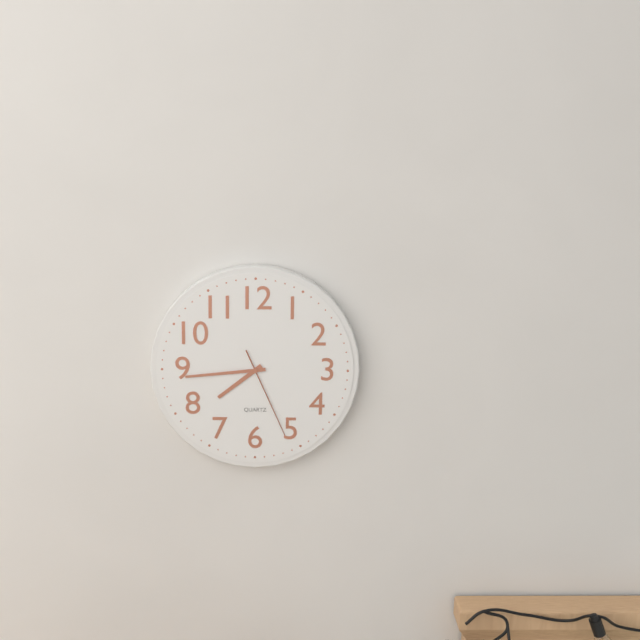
{"hour": 7, "minute": 44, "second": 26}
